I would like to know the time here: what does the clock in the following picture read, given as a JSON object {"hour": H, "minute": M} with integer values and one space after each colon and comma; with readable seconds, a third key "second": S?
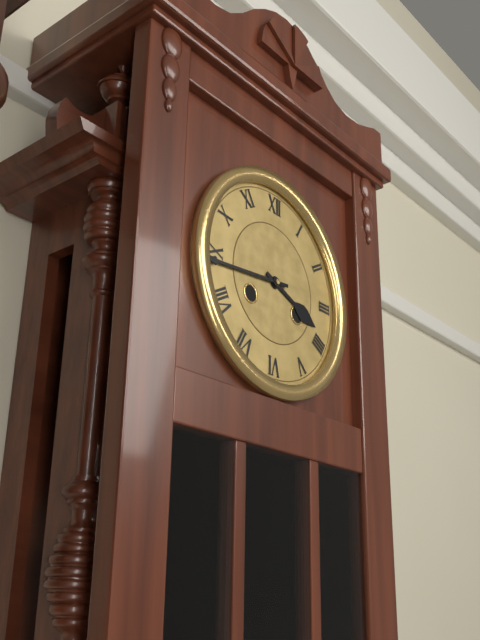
{"hour": 3, "minute": 44}
